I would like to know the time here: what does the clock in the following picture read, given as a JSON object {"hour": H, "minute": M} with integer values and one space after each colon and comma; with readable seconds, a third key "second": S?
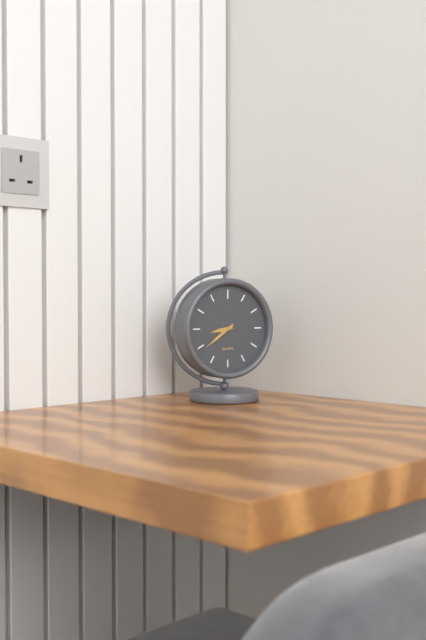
{"hour": 8, "minute": 39}
